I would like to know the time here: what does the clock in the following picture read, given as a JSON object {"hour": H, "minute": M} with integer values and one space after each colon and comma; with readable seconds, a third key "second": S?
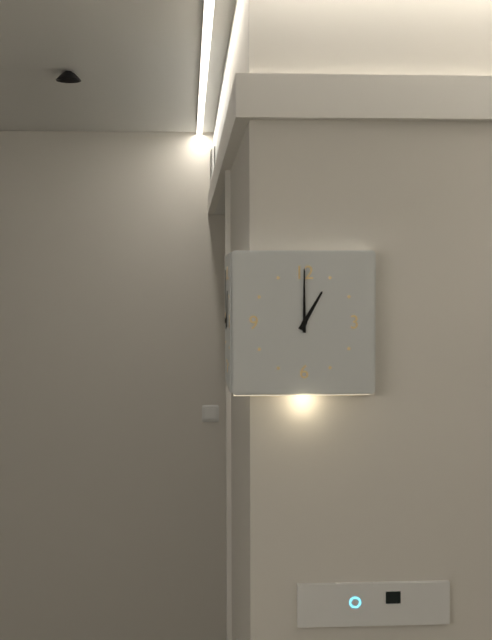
{"hour": 1, "minute": 0}
